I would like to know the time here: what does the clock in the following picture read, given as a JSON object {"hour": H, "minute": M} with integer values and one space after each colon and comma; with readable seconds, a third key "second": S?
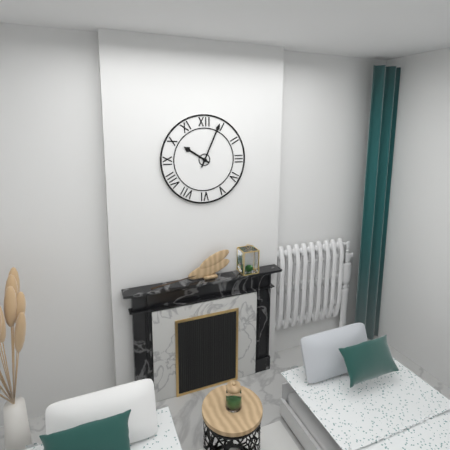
{"hour": 10, "minute": 4}
